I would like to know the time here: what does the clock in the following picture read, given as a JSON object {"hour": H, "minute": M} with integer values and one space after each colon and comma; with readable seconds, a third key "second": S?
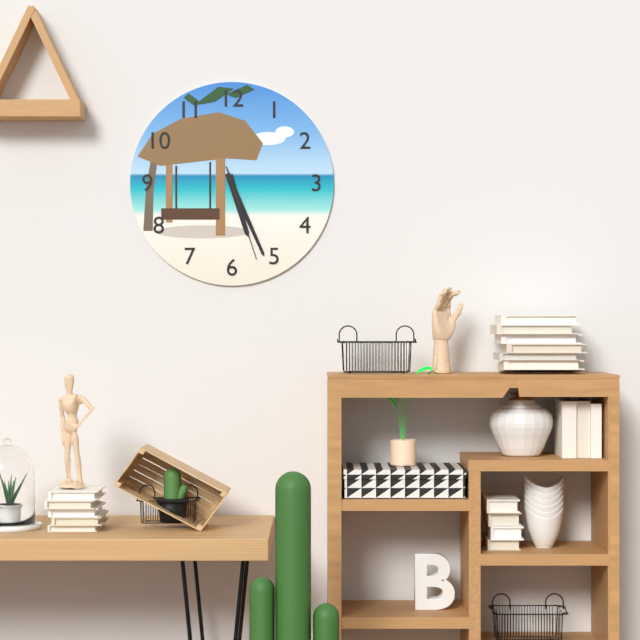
{"hour": 5, "minute": 26, "second": 27}
